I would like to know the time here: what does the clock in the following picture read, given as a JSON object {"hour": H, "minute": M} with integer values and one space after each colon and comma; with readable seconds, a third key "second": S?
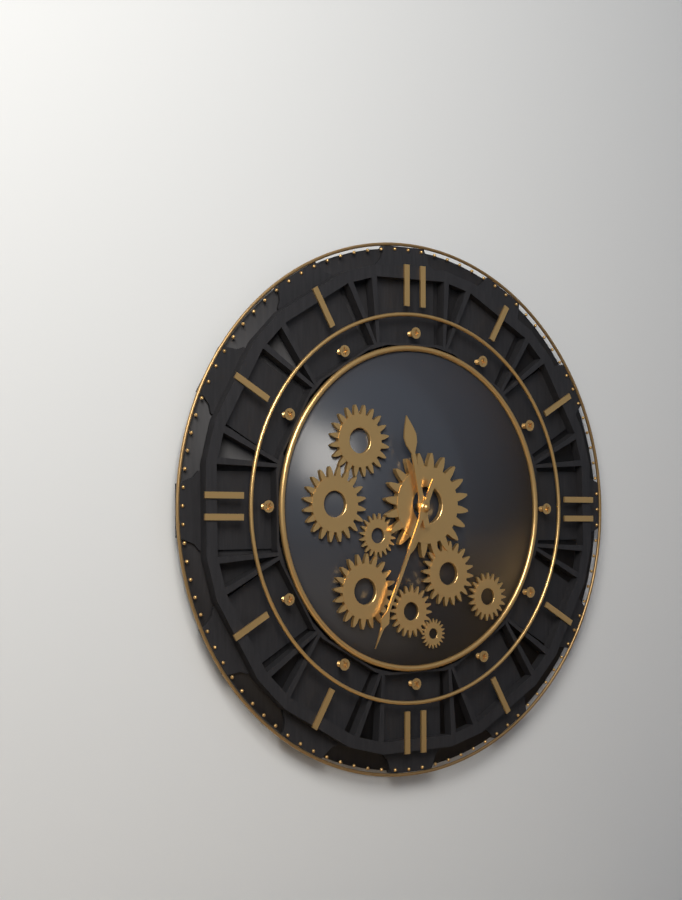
{"hour": 11, "minute": 34}
